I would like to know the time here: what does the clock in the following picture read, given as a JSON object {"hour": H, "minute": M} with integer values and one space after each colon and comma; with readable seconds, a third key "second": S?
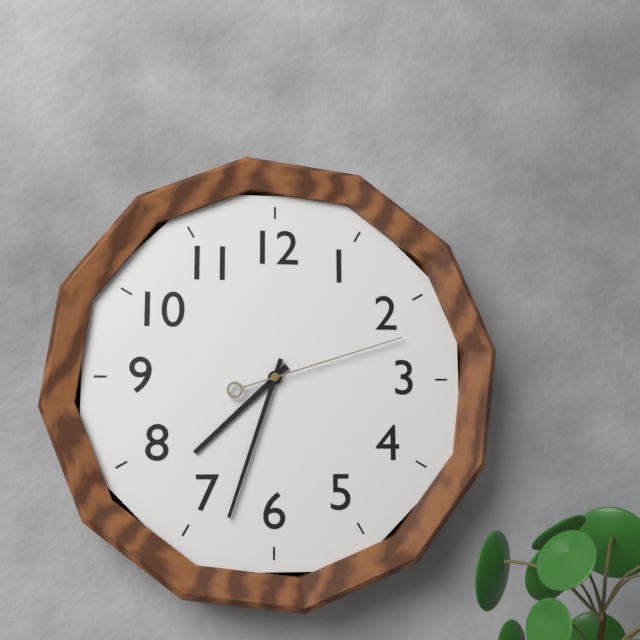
{"hour": 7, "minute": 33, "second": 12}
